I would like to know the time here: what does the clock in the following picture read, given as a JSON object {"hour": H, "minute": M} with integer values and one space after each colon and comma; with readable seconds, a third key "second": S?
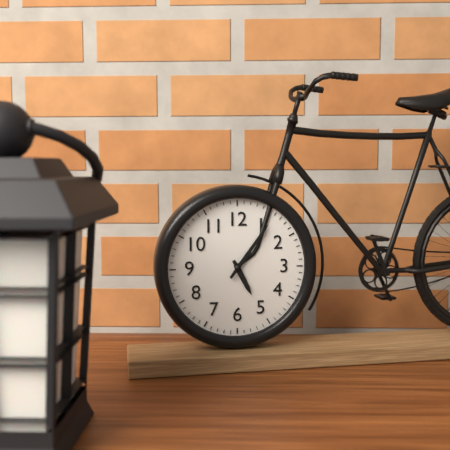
{"hour": 5, "minute": 6}
